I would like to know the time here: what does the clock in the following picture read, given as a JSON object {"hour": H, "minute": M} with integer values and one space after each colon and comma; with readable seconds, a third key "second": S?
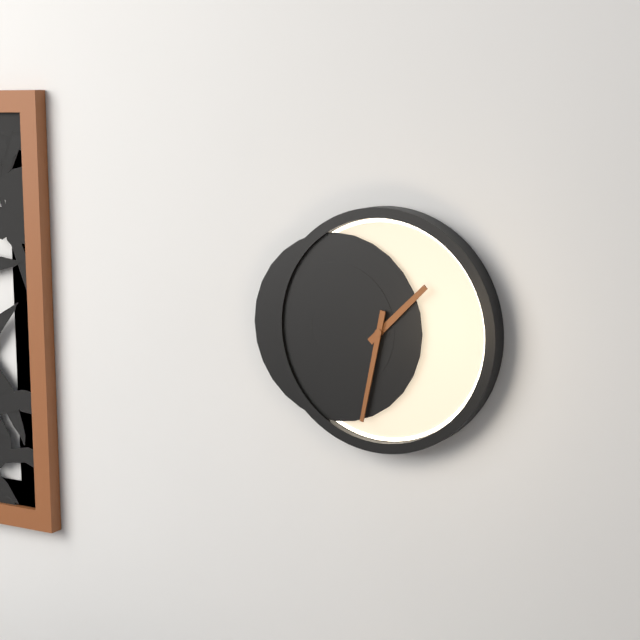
{"hour": 1, "minute": 32}
